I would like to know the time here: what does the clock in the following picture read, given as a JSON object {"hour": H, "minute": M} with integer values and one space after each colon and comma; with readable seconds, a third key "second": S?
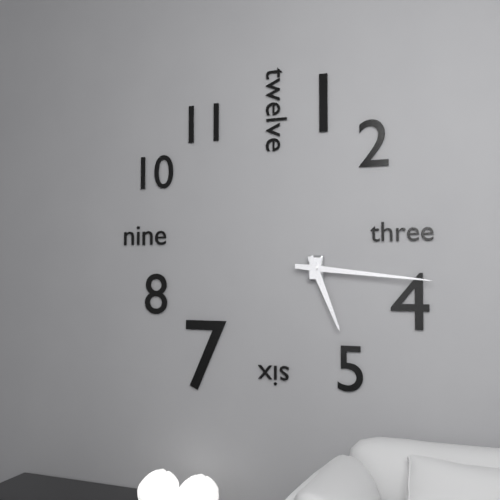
{"hour": 5, "minute": 16}
